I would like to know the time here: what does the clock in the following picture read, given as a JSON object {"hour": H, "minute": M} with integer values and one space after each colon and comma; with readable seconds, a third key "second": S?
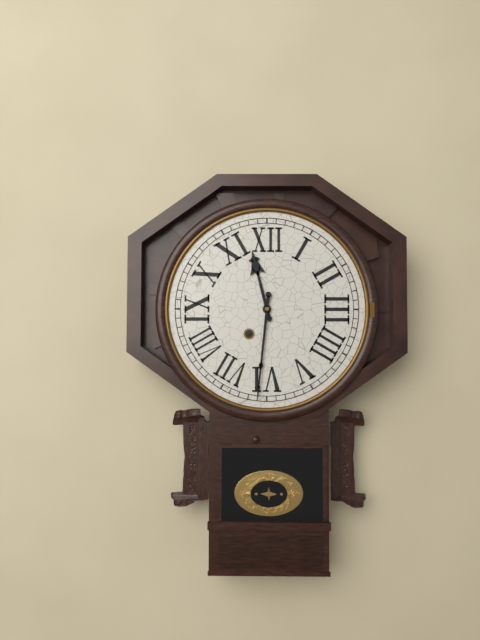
{"hour": 11, "minute": 31}
